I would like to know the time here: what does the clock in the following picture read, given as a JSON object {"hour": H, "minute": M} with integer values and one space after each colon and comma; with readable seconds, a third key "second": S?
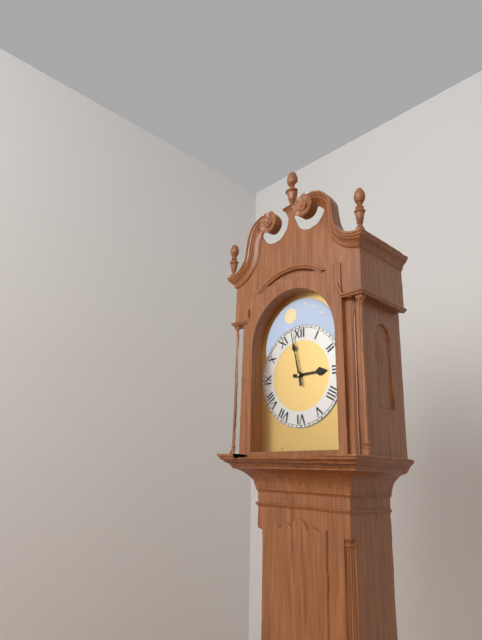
{"hour": 2, "minute": 58}
